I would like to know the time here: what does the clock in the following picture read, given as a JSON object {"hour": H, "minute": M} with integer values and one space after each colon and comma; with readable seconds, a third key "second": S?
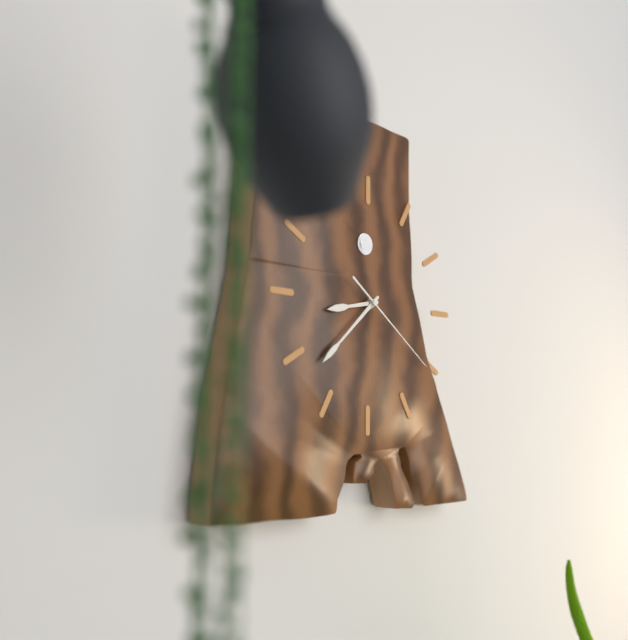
{"hour": 8, "minute": 38, "second": 21}
